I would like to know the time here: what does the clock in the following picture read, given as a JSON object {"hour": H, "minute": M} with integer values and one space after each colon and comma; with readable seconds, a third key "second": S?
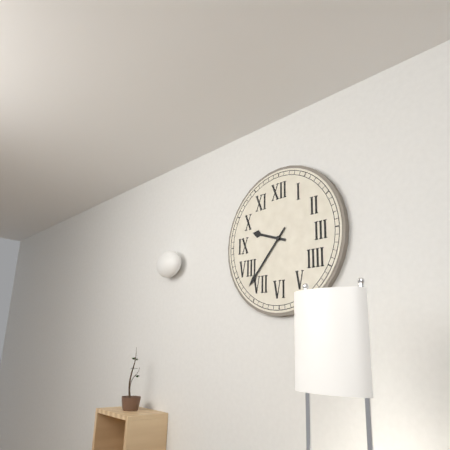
{"hour": 9, "minute": 37}
